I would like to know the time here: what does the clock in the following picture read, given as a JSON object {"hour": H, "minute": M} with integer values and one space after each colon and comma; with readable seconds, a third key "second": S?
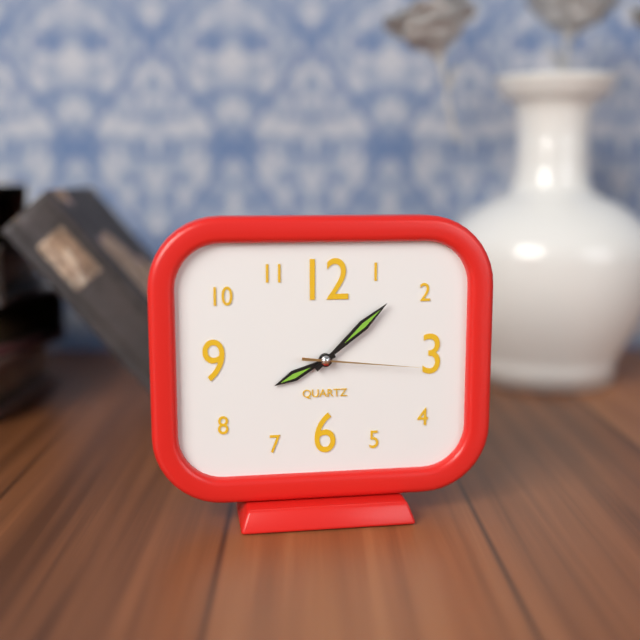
{"hour": 8, "minute": 8, "second": 16}
